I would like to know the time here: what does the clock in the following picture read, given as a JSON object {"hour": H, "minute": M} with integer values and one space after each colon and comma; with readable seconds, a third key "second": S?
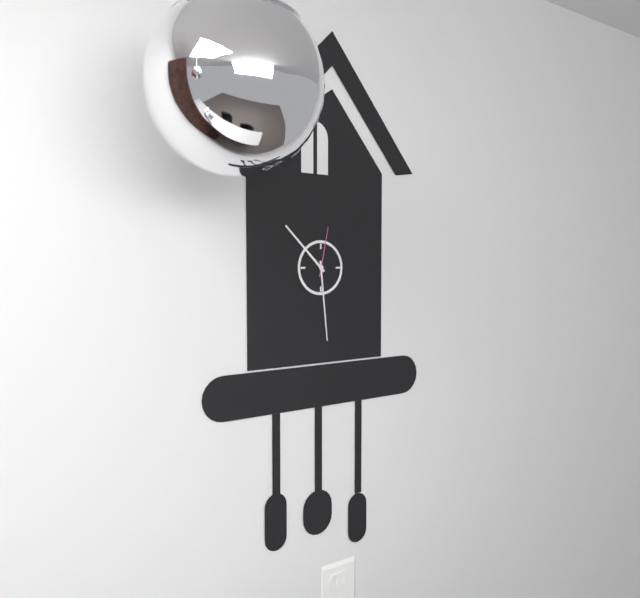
{"hour": 10, "minute": 29, "second": 2}
